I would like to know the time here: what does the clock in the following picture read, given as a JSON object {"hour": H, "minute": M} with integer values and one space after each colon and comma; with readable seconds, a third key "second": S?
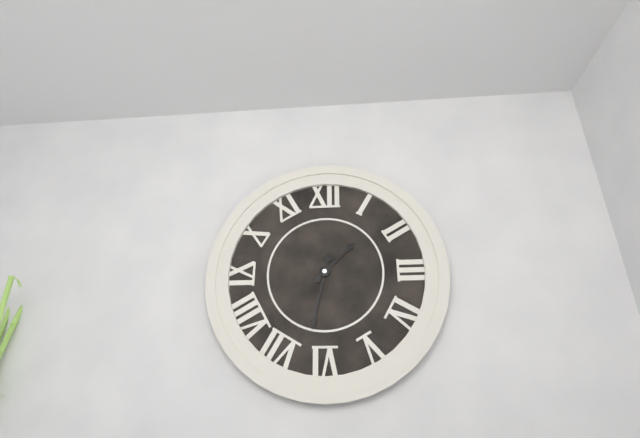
{"hour": 1, "minute": 32}
